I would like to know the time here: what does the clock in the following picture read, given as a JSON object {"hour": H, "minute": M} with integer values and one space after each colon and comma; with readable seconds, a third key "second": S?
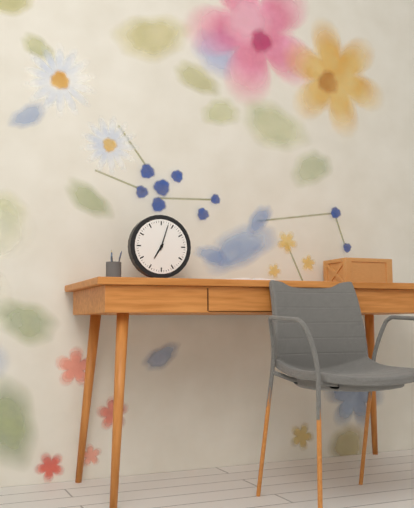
{"hour": 7, "minute": 3}
